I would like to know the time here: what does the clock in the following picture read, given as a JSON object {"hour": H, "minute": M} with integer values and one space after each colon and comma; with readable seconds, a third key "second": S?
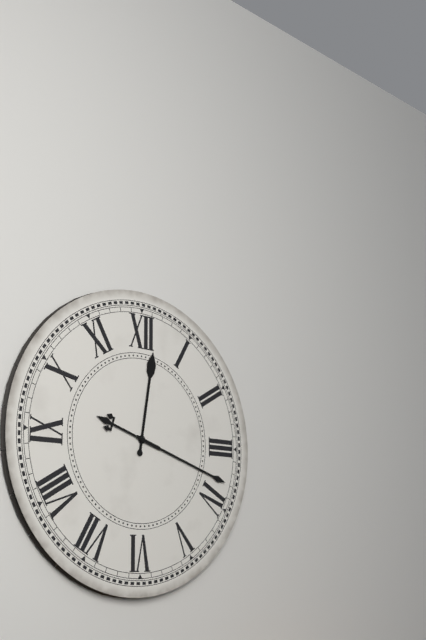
{"hour": 12, "minute": 18}
